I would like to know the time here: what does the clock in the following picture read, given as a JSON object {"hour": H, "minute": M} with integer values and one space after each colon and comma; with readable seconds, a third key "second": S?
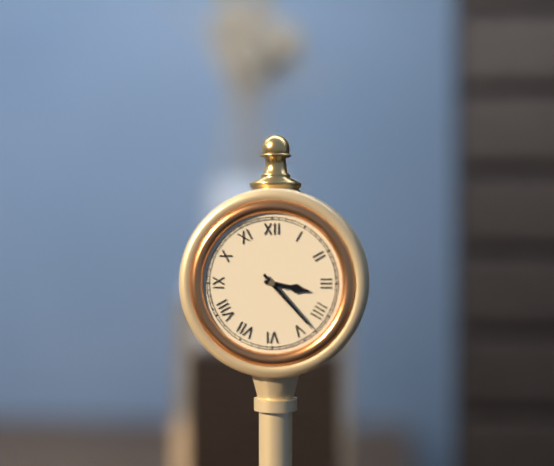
{"hour": 3, "minute": 23}
